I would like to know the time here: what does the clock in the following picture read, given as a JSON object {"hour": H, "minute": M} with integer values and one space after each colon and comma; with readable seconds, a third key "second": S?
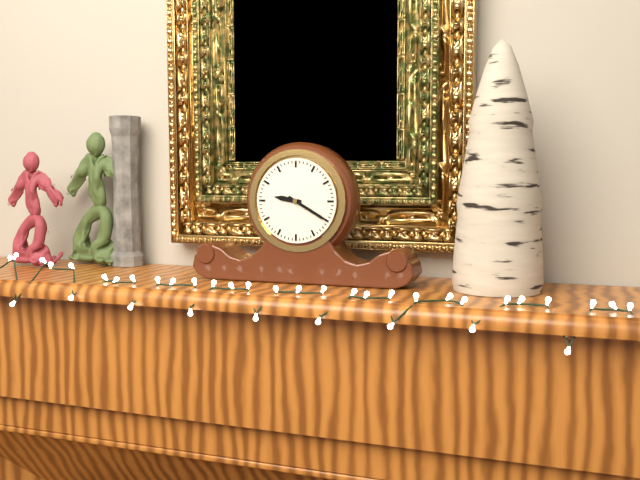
{"hour": 9, "minute": 20}
